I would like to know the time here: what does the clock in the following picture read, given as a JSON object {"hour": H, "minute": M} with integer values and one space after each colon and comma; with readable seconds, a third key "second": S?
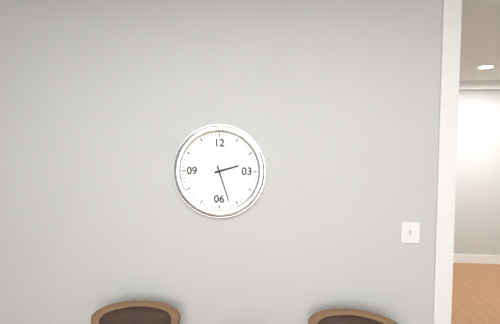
{"hour": 2, "minute": 27}
